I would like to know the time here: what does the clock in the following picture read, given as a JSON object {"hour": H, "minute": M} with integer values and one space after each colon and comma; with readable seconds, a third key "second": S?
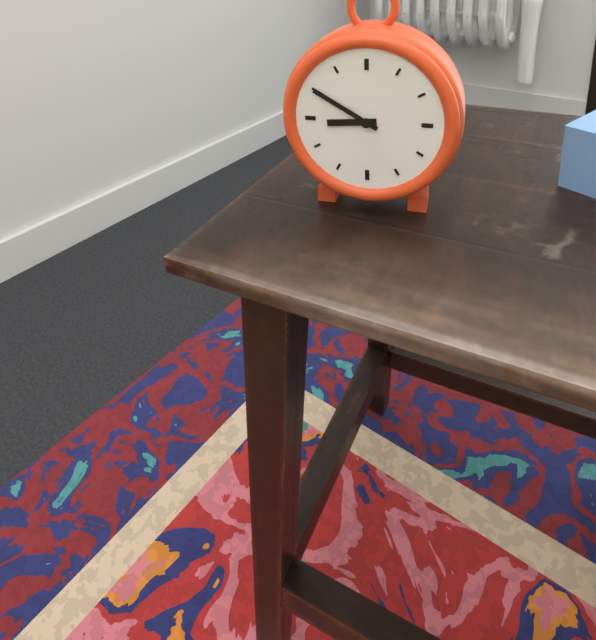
{"hour": 8, "minute": 50}
